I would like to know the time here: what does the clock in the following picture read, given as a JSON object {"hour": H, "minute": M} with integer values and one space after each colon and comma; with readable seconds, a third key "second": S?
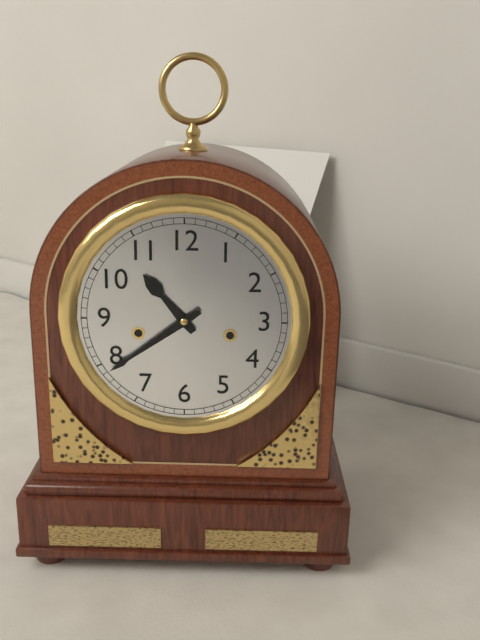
{"hour": 10, "minute": 39}
